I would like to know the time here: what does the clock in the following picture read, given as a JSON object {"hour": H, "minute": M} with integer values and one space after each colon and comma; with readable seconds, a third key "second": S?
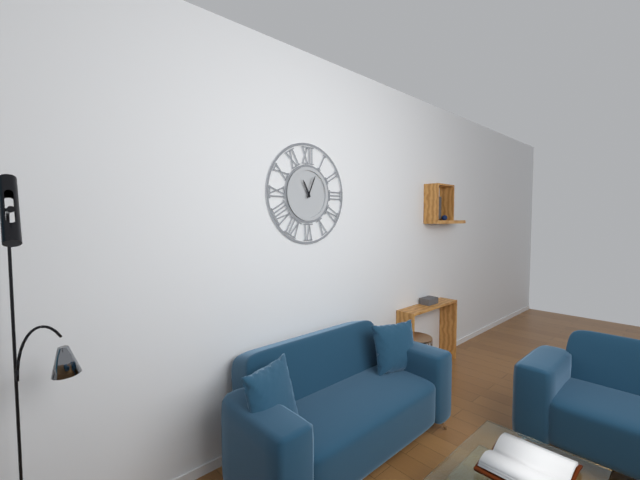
{"hour": 11, "minute": 4}
